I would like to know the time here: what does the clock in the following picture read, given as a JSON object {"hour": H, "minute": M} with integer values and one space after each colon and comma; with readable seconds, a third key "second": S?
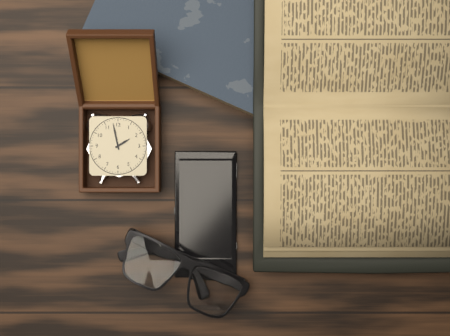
{"hour": 1, "minute": 58}
